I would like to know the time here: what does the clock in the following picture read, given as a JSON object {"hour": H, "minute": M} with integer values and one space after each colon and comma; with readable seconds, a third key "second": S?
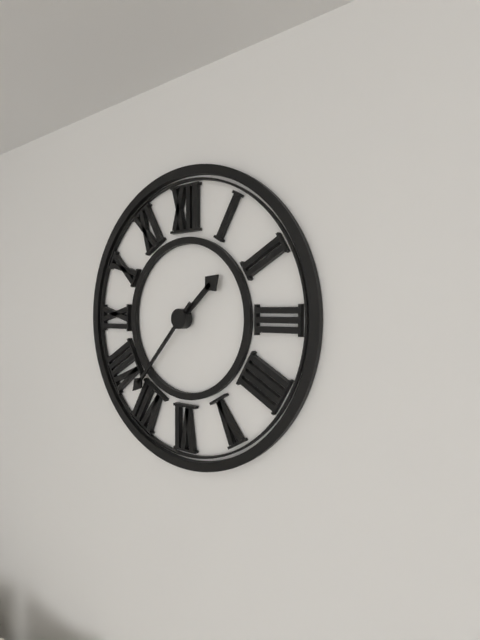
{"hour": 1, "minute": 37}
